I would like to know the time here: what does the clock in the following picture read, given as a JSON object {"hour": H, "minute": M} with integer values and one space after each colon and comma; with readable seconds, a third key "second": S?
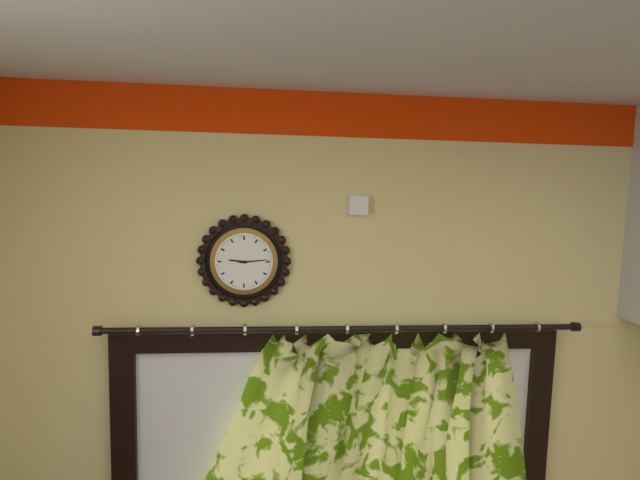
{"hour": 9, "minute": 14}
